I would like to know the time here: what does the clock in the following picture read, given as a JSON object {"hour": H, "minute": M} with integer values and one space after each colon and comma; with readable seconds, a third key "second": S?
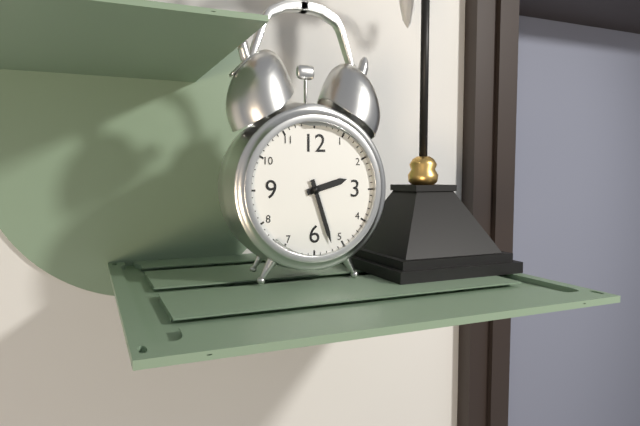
{"hour": 2, "minute": 27}
